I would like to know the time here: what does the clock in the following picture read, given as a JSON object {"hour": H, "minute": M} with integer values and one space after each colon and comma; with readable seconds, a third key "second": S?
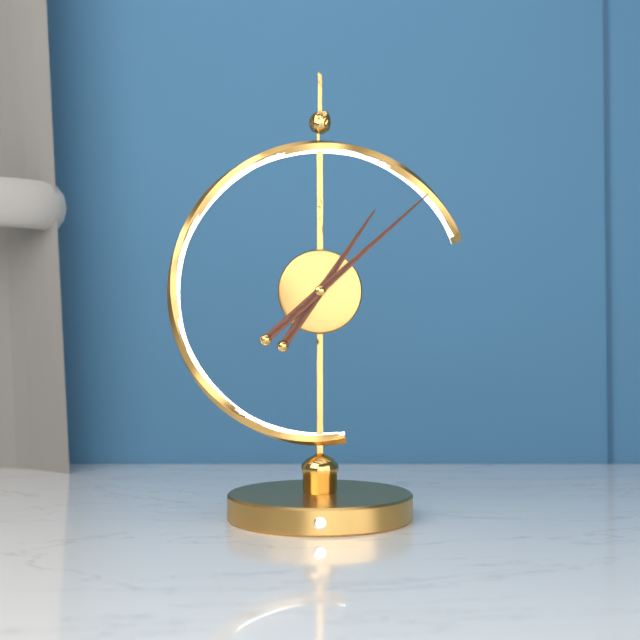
{"hour": 1, "minute": 8}
